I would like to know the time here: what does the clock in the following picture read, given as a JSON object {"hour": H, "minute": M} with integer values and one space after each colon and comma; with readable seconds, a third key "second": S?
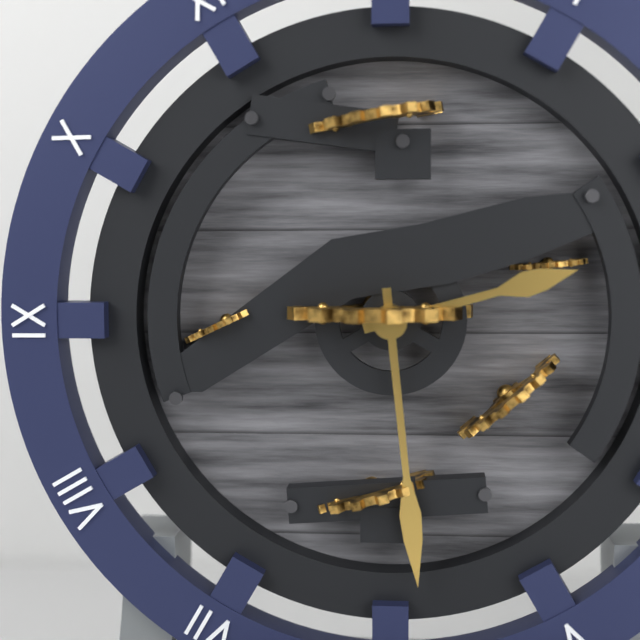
{"hour": 2, "minute": 29}
